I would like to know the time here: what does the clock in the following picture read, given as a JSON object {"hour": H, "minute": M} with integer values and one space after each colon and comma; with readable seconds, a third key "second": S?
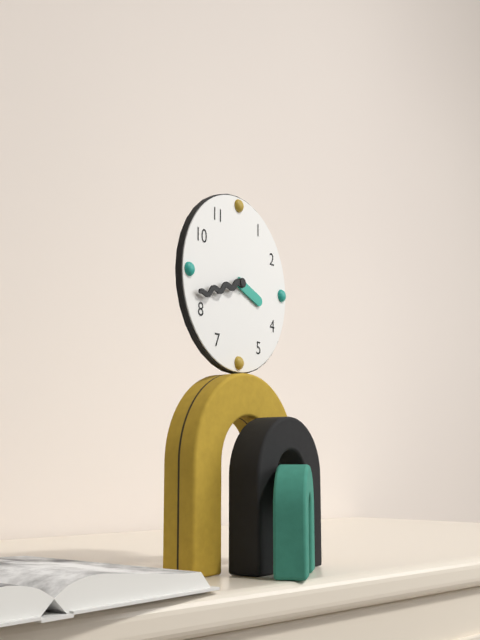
{"hour": 3, "minute": 42}
